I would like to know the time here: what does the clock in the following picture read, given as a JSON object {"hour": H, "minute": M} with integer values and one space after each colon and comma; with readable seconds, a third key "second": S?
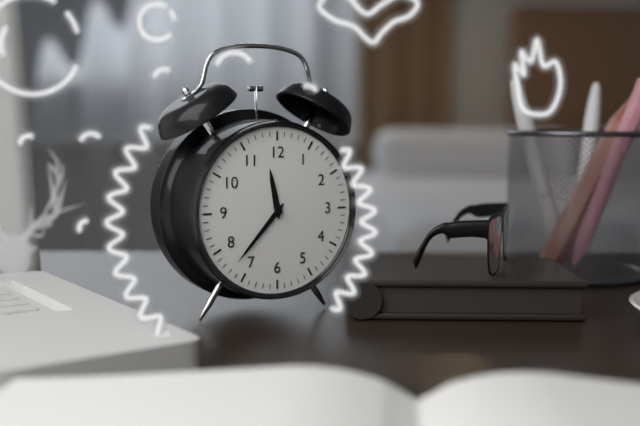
{"hour": 11, "minute": 37}
